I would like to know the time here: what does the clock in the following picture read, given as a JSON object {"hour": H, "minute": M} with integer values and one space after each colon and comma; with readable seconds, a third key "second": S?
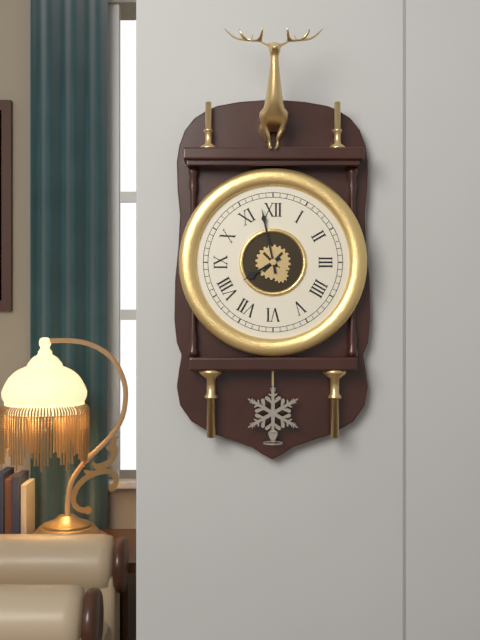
{"hour": 7, "minute": 58}
